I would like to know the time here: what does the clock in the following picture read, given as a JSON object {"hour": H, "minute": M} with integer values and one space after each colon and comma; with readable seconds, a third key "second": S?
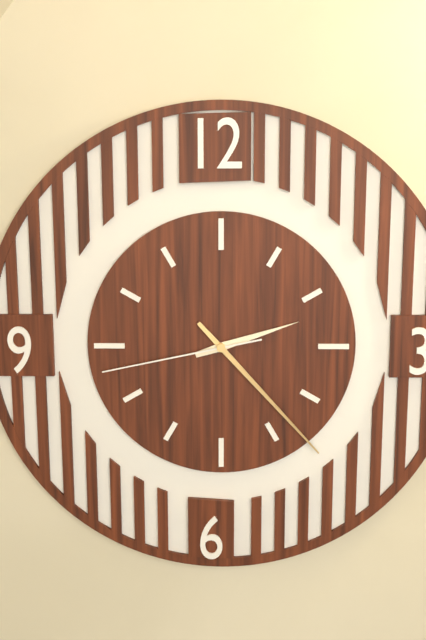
{"hour": 2, "minute": 23, "second": 43}
